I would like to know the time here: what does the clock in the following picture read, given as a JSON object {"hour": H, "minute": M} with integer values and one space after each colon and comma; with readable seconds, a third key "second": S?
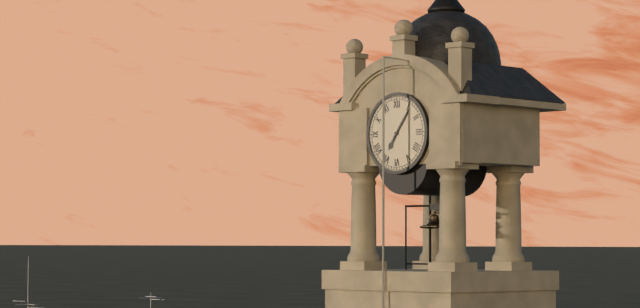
{"hour": 7, "minute": 6}
